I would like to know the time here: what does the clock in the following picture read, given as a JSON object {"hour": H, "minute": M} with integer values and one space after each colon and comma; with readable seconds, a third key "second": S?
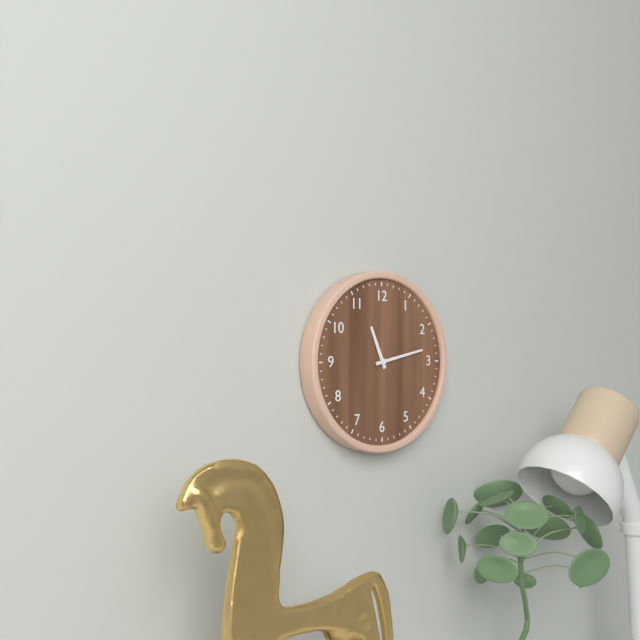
{"hour": 11, "minute": 13}
